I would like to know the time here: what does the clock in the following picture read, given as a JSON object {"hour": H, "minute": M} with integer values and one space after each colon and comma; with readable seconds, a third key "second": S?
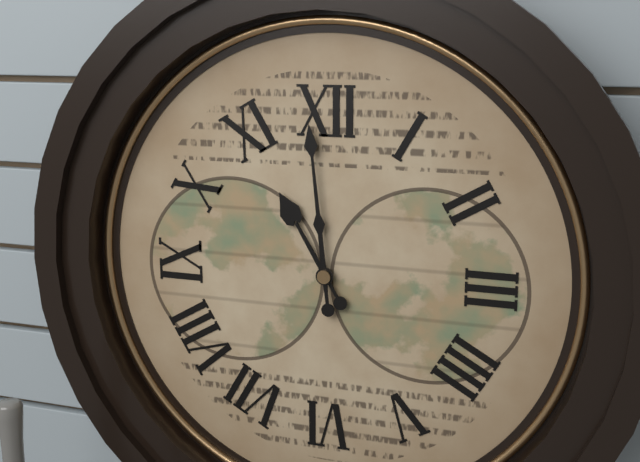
{"hour": 10, "minute": 59}
